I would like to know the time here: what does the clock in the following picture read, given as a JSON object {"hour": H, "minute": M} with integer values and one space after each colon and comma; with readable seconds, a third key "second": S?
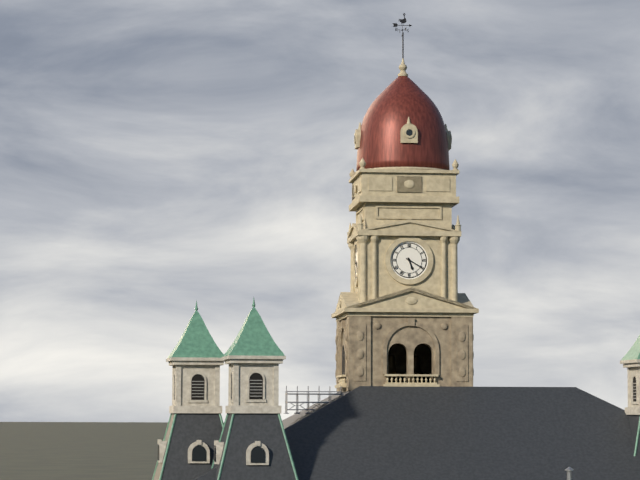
{"hour": 5, "minute": 20}
